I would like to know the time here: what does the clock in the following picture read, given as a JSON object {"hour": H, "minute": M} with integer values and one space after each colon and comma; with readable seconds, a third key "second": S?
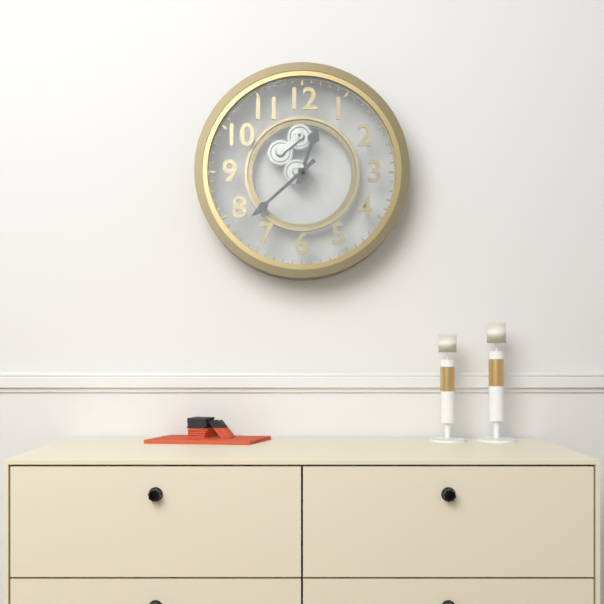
{"hour": 12, "minute": 38}
